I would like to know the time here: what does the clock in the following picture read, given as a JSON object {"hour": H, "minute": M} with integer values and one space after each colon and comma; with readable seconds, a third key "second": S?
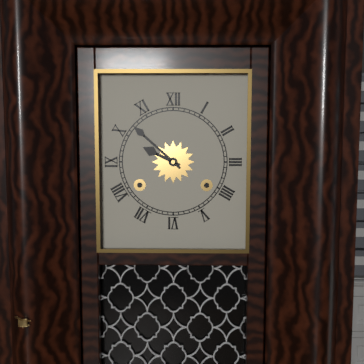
{"hour": 9, "minute": 52}
